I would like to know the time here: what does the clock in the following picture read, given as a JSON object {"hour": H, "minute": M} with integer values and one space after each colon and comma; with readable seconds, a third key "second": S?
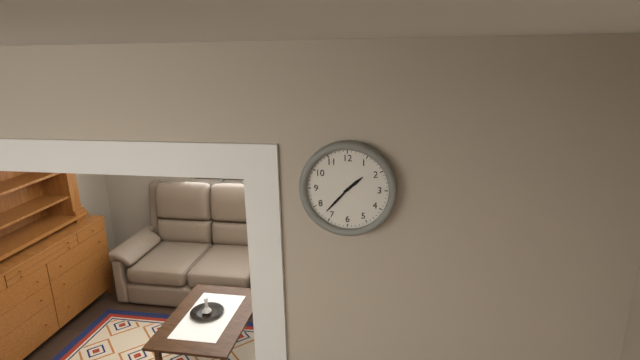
{"hour": 1, "minute": 37}
